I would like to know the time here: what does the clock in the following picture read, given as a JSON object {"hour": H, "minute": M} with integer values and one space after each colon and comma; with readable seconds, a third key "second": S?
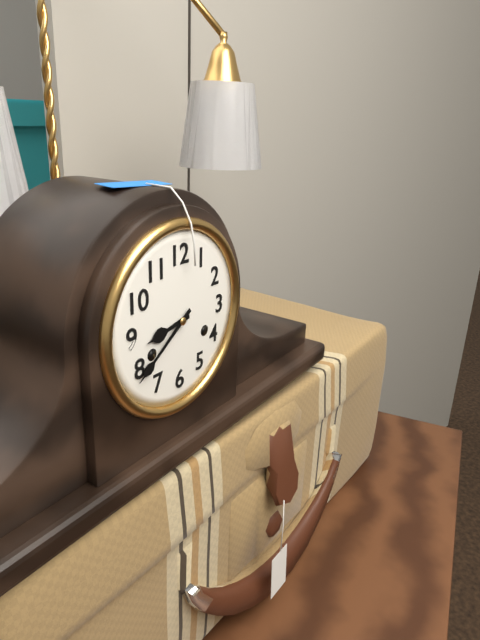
{"hour": 8, "minute": 39}
